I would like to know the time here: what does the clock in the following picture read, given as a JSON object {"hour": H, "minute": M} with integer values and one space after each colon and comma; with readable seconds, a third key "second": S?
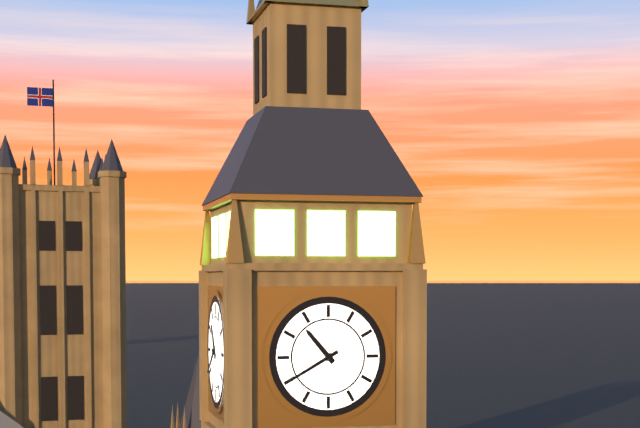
{"hour": 10, "minute": 40}
